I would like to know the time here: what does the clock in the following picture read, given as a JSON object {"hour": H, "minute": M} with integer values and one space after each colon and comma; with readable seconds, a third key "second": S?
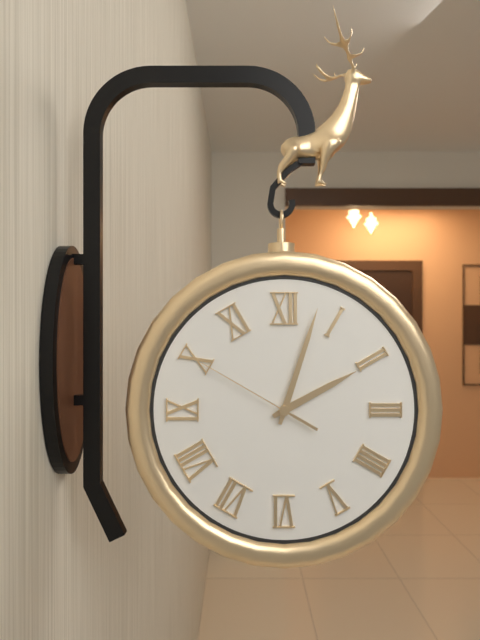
{"hour": 2, "minute": 3, "second": 50}
